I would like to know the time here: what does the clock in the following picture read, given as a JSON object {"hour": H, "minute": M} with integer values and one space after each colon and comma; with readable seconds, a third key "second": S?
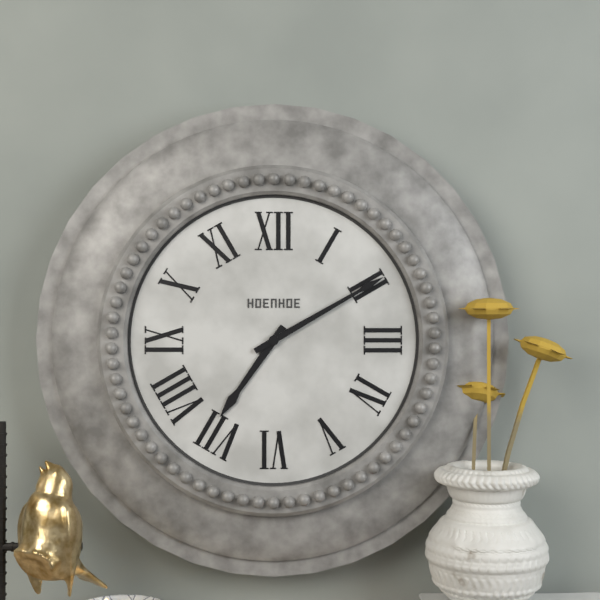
{"hour": 7, "minute": 10}
